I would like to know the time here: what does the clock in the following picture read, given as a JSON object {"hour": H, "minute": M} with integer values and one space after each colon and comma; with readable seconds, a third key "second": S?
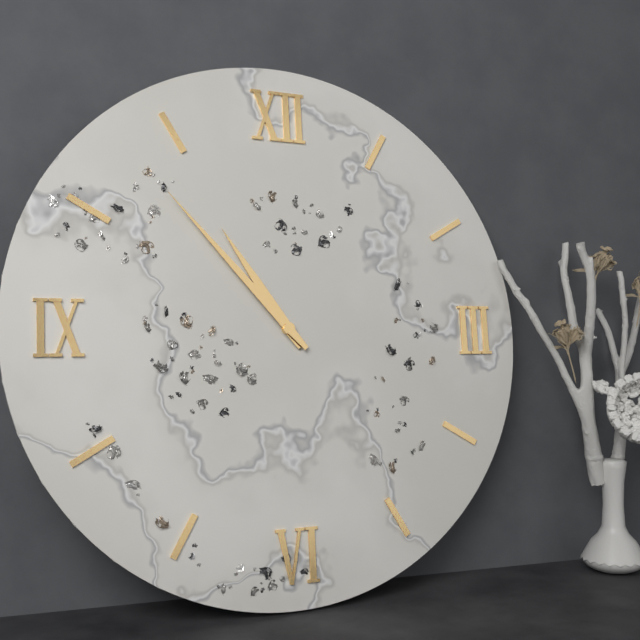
{"hour": 10, "minute": 53}
